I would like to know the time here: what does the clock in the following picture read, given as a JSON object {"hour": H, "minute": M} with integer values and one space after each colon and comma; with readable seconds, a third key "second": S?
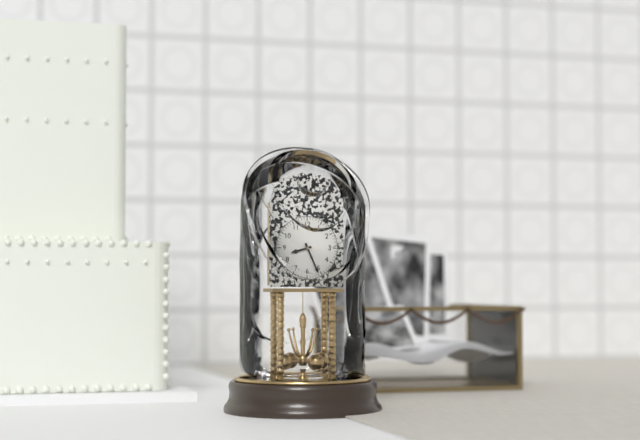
{"hour": 8, "minute": 26}
